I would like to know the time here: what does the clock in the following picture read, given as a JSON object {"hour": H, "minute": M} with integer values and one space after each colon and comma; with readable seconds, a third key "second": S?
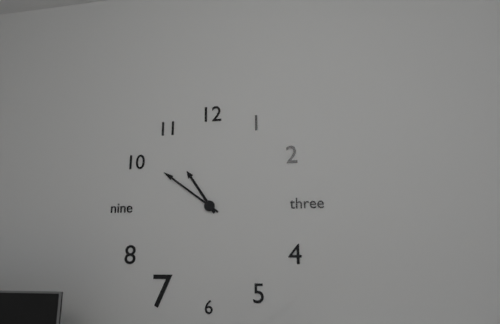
{"hour": 10, "minute": 51}
